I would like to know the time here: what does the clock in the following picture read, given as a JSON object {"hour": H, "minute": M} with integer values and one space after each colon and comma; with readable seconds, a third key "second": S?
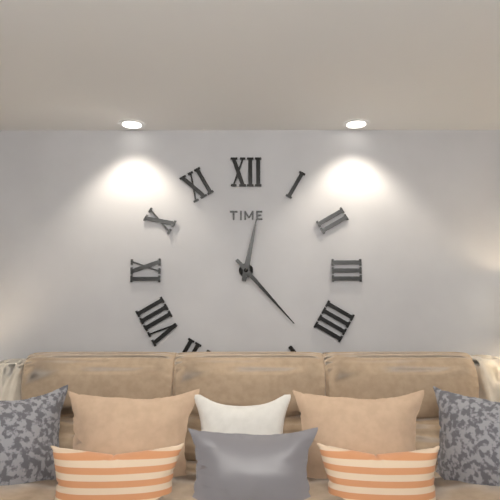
{"hour": 12, "minute": 23}
